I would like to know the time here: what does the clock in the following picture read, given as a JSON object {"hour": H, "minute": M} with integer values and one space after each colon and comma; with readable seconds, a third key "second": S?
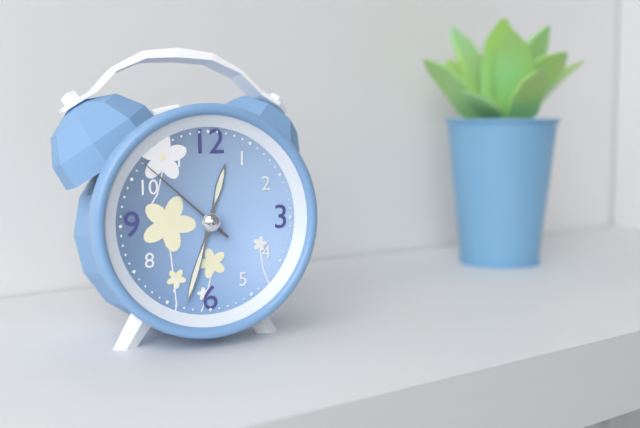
{"hour": 12, "minute": 33, "second": 52}
